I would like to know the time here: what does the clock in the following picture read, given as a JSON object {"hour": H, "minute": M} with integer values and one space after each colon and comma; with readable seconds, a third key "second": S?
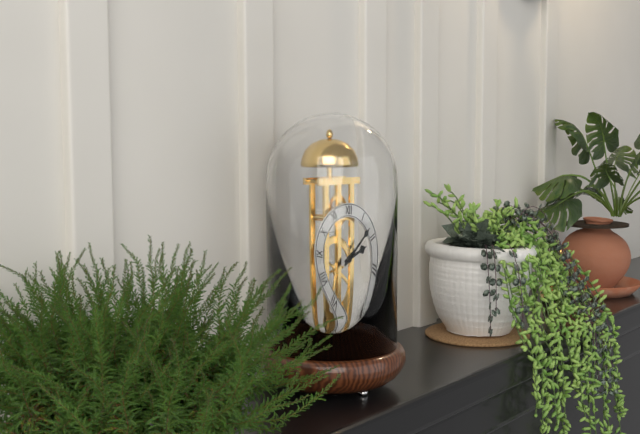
{"hour": 2, "minute": 8}
